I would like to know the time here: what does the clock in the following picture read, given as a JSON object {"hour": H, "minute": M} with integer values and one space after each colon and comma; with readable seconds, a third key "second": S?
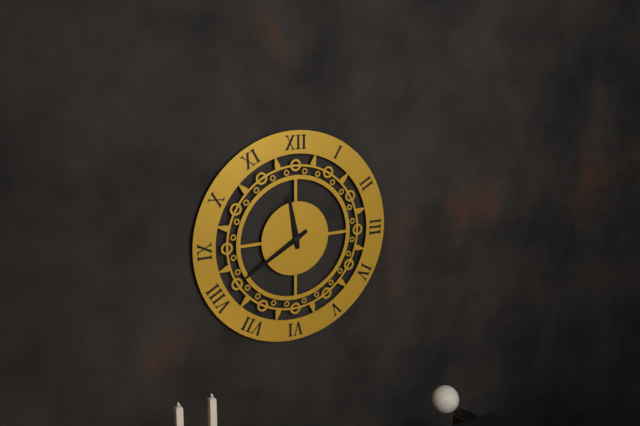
{"hour": 11, "minute": 40}
